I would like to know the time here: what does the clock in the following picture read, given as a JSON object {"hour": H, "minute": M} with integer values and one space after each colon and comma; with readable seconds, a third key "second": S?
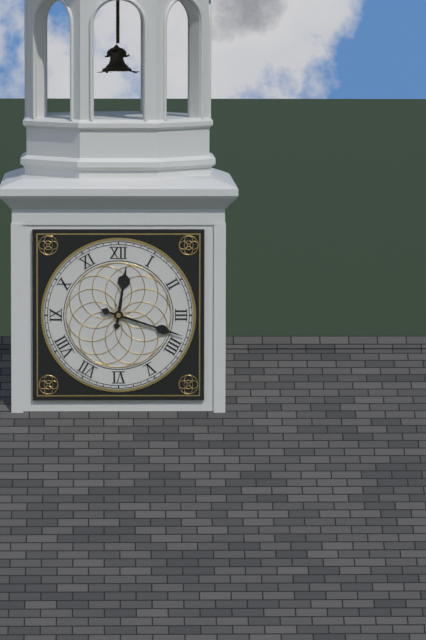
{"hour": 12, "minute": 18}
